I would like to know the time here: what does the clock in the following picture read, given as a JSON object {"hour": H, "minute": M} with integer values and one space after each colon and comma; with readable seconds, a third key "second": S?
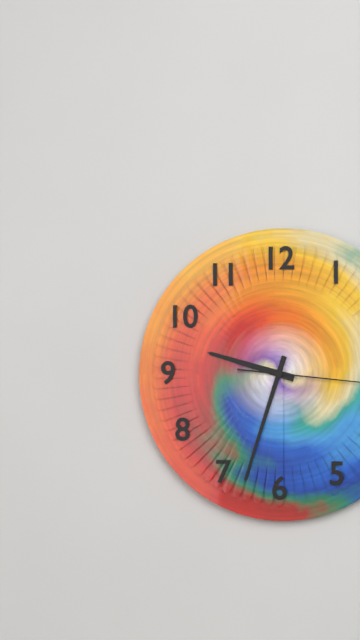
{"hour": 9, "minute": 33}
